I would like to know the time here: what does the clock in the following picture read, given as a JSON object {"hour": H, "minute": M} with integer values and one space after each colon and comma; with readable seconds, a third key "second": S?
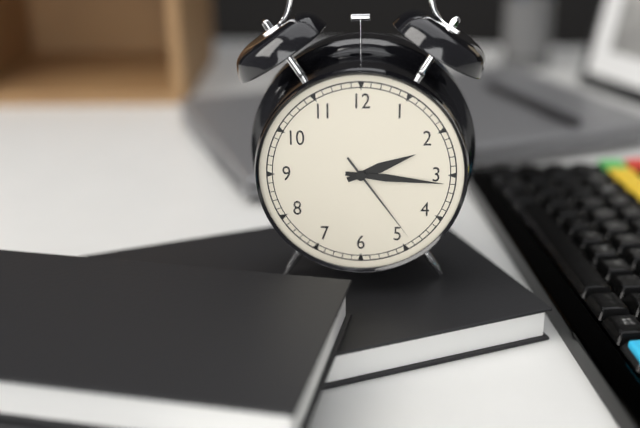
{"hour": 2, "minute": 16, "second": 24}
